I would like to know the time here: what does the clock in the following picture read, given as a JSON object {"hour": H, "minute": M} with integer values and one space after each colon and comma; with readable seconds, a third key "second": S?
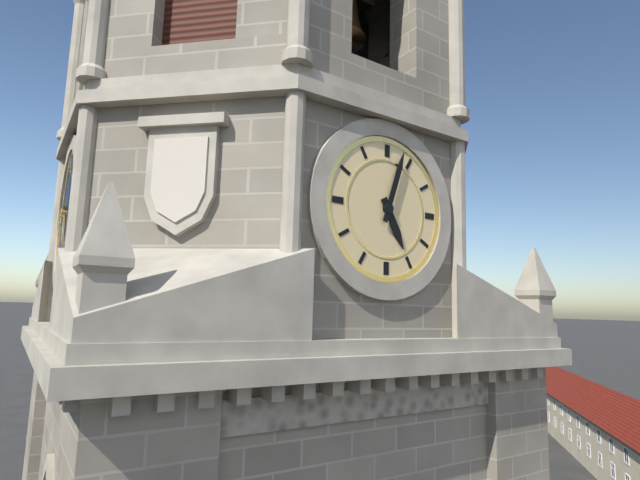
{"hour": 5, "minute": 3}
